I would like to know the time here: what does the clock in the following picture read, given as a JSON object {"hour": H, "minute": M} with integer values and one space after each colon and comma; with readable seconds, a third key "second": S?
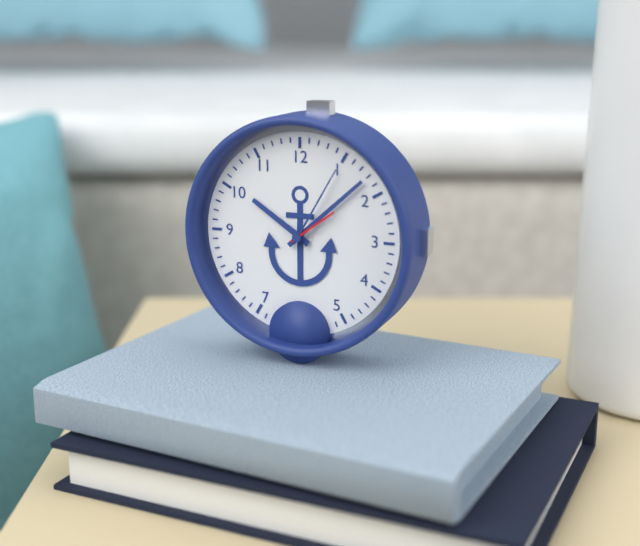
{"hour": 10, "minute": 8, "second": 9}
